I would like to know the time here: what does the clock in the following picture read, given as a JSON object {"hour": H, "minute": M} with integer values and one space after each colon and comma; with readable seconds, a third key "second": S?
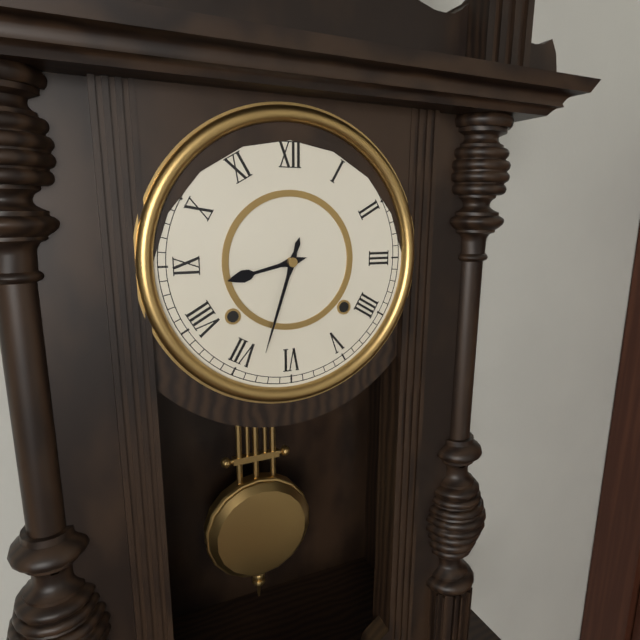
{"hour": 8, "minute": 33}
